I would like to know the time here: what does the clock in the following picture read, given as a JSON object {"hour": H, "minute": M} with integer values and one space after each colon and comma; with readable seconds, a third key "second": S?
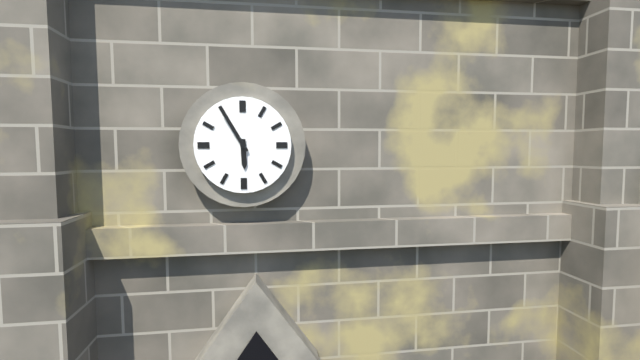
{"hour": 5, "minute": 55}
